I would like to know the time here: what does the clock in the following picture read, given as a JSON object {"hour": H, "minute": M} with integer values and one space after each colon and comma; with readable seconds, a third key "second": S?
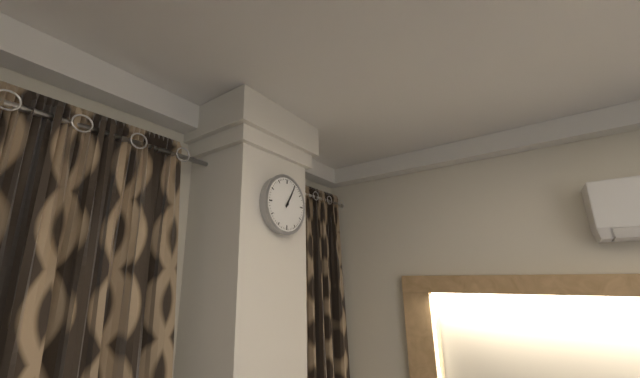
{"hour": 1, "minute": 5}
